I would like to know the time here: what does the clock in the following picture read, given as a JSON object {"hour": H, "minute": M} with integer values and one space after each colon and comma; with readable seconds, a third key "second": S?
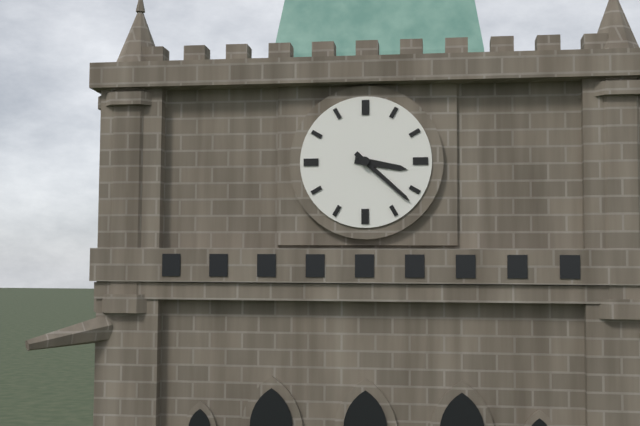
{"hour": 3, "minute": 22}
